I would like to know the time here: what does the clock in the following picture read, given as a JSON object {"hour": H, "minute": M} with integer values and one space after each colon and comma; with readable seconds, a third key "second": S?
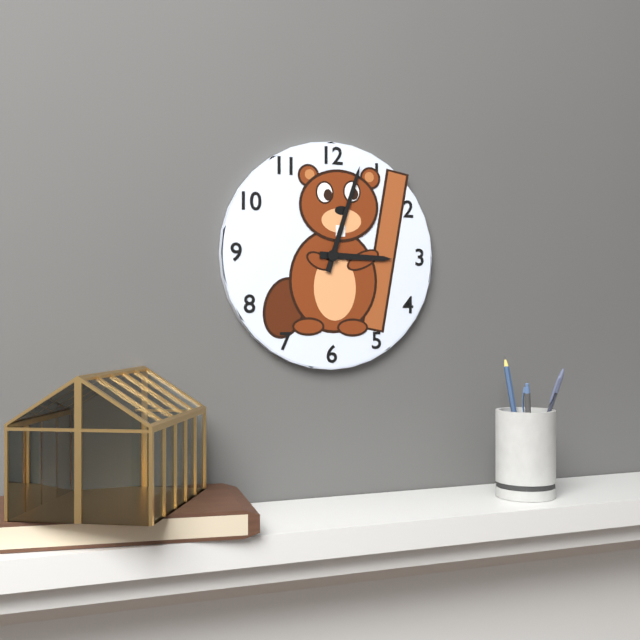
{"hour": 3, "minute": 3}
